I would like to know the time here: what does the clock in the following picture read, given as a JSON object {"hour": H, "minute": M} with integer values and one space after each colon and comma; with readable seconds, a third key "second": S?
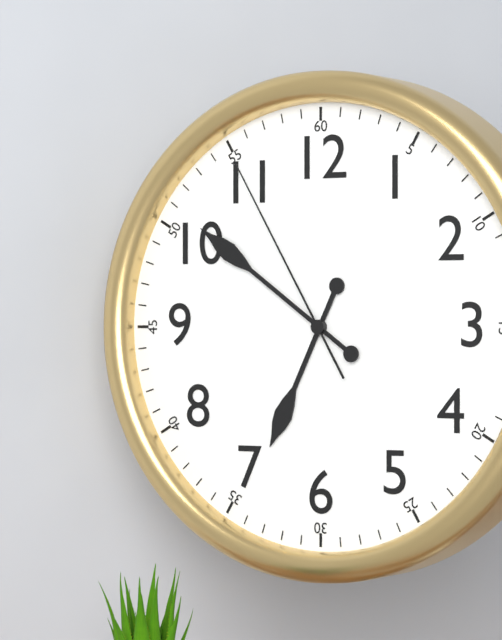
{"hour": 6, "minute": 51, "second": 55}
